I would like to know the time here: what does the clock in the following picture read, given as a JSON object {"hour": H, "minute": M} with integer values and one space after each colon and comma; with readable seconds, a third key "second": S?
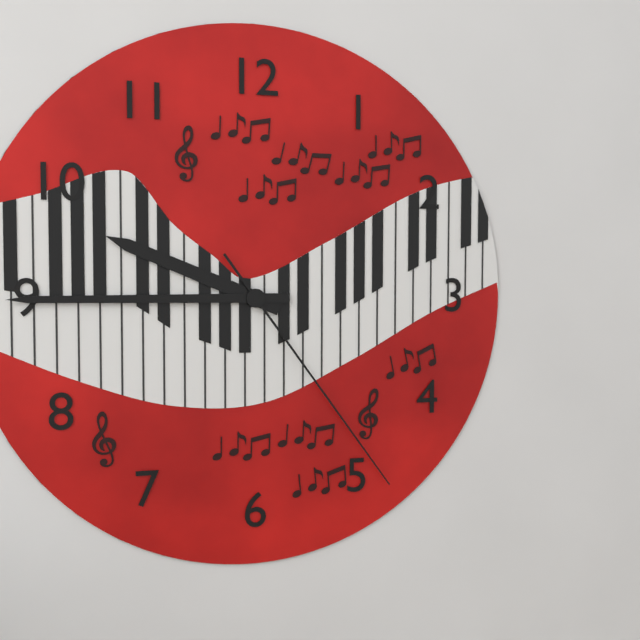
{"hour": 9, "minute": 45, "second": 24}
